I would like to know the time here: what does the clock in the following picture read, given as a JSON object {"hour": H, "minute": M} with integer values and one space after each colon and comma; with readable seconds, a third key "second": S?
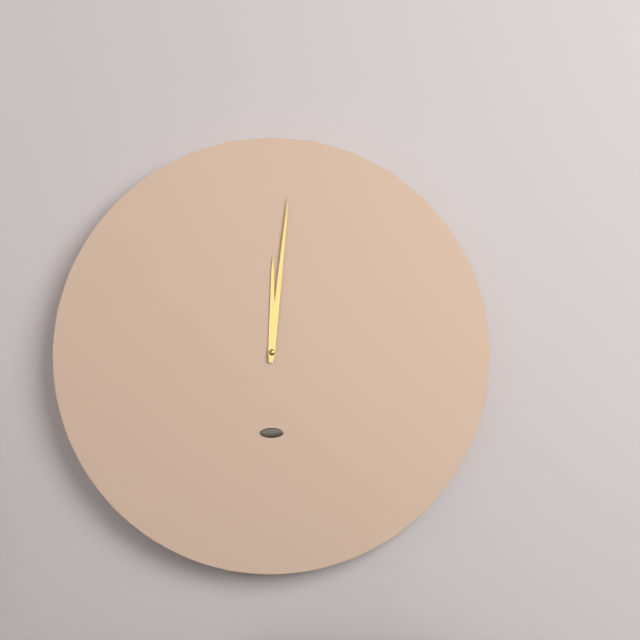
{"hour": 12, "minute": 1}
